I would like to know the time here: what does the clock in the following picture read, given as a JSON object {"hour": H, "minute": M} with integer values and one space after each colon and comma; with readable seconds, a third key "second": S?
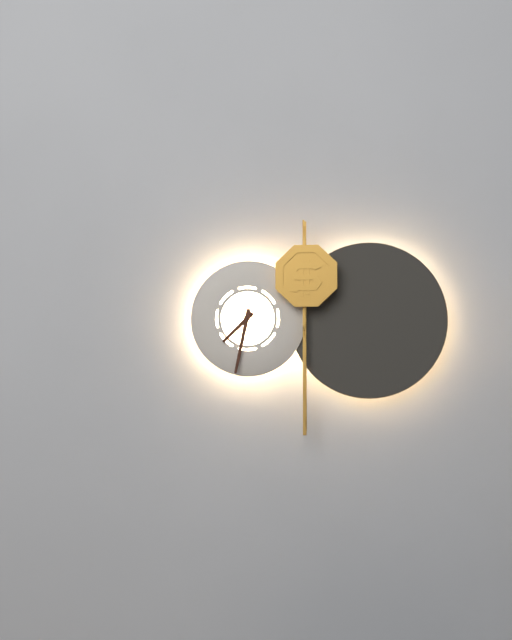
{"hour": 7, "minute": 32}
